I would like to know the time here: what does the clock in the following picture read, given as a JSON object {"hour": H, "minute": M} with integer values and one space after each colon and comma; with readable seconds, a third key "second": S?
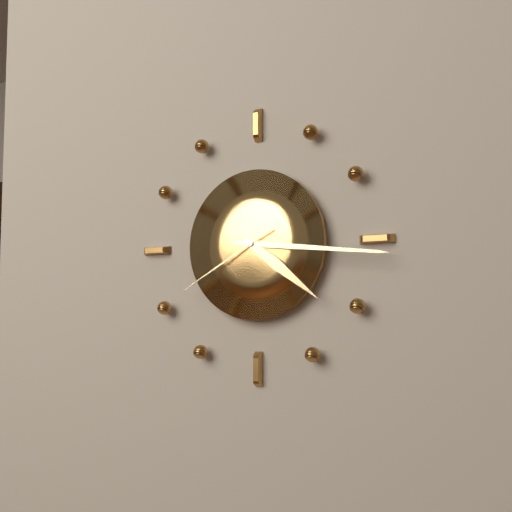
{"hour": 4, "minute": 16, "second": 40}
